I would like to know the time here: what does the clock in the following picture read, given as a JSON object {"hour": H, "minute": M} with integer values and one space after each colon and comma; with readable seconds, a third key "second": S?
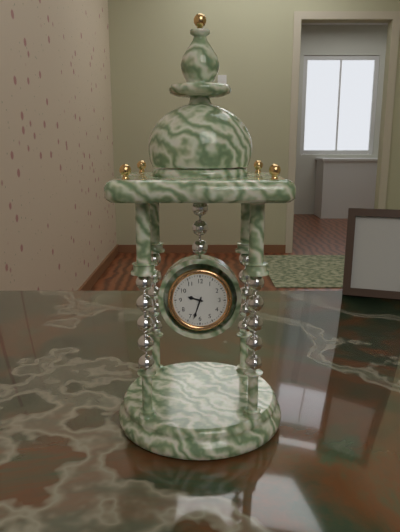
{"hour": 9, "minute": 33}
